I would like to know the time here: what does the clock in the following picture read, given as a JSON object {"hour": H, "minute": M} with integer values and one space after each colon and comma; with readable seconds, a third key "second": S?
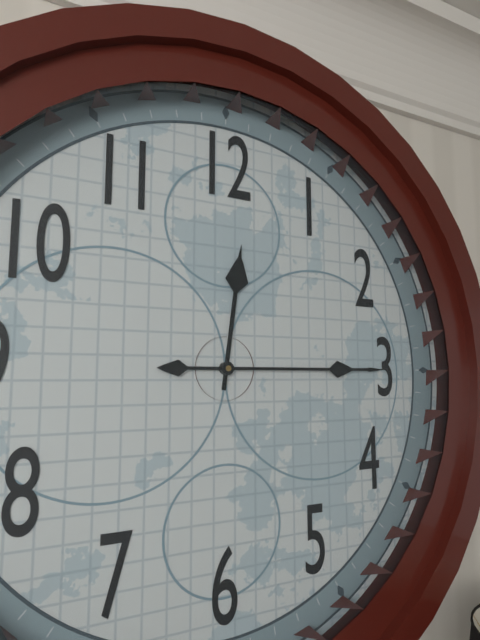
{"hour": 12, "minute": 15}
